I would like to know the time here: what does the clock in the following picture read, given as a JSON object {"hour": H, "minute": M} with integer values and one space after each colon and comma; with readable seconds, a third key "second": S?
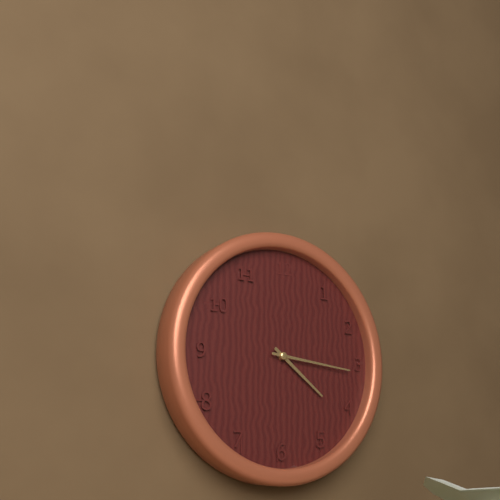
{"hour": 4, "minute": 16}
